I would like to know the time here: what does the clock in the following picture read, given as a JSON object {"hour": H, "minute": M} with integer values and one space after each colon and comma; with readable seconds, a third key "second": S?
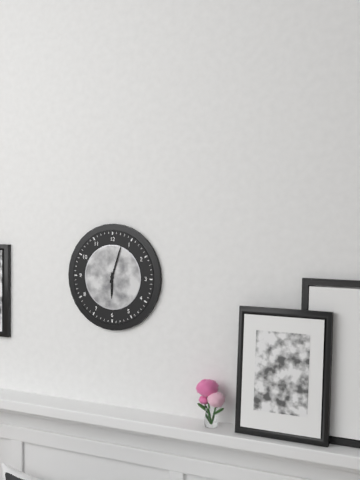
{"hour": 6, "minute": 3}
